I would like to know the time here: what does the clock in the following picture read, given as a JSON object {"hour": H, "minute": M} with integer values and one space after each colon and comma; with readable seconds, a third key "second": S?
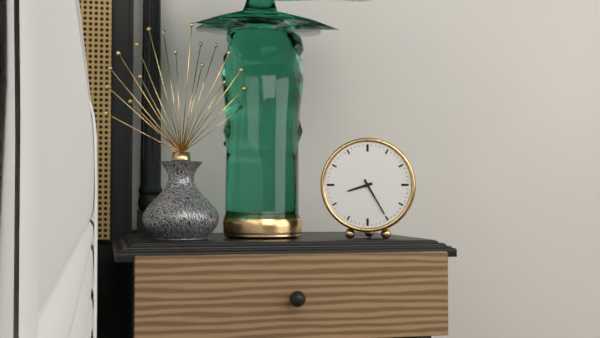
{"hour": 8, "minute": 25}
